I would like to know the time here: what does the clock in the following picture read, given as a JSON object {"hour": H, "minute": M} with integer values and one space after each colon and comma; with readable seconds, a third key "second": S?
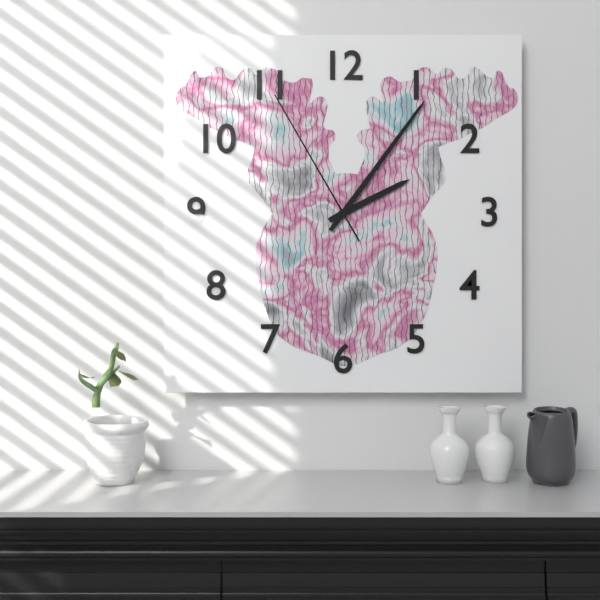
{"hour": 2, "minute": 6, "second": 55}
